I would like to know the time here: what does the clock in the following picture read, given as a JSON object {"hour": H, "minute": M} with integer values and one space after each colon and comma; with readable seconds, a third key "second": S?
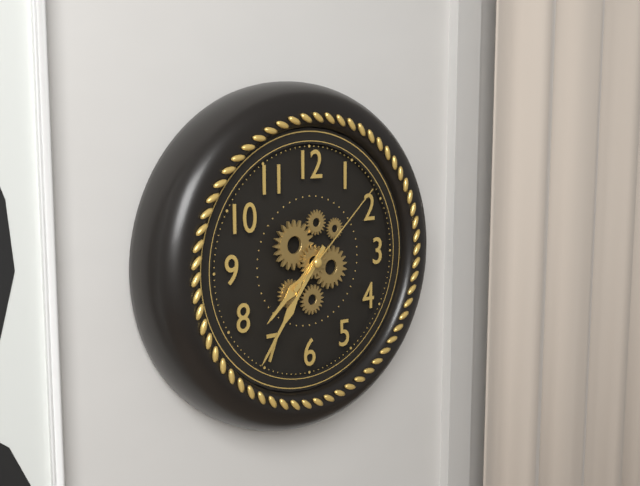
{"hour": 7, "minute": 36, "second": 8}
